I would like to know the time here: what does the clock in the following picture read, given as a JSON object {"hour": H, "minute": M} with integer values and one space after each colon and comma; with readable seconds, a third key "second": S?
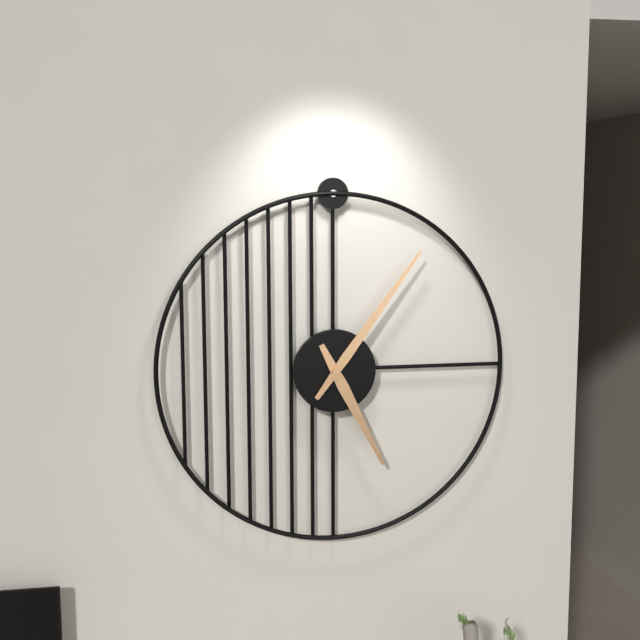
{"hour": 5, "minute": 6}
